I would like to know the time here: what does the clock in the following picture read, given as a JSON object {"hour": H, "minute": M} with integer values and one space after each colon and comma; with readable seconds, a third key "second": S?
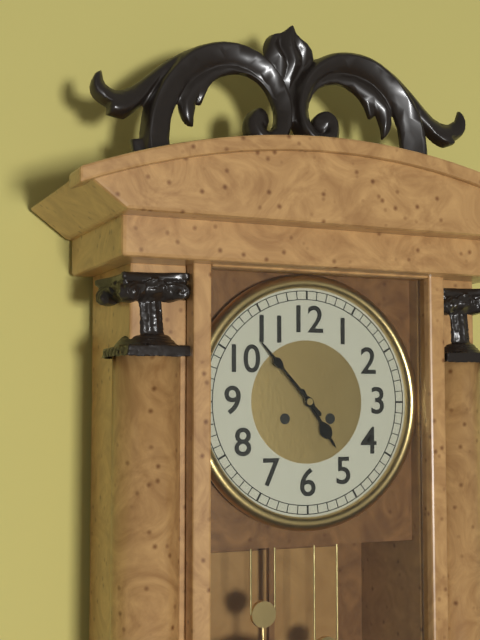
{"hour": 4, "minute": 53}
